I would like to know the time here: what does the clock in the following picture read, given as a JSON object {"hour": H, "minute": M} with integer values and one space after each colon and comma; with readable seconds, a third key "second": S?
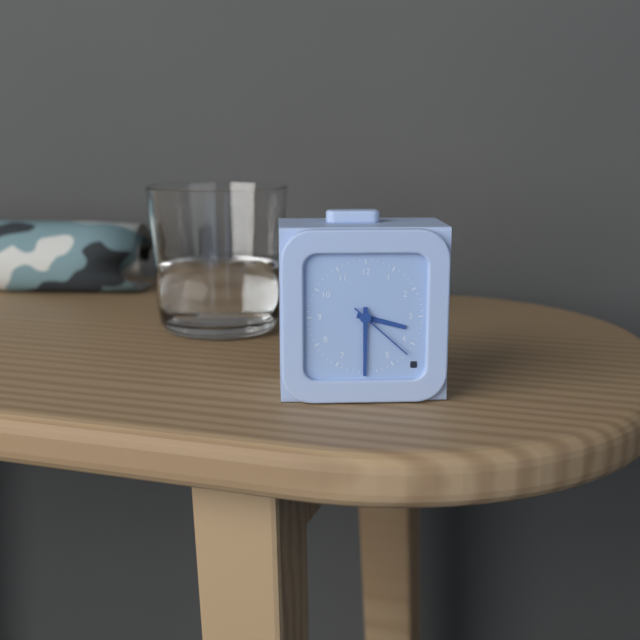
{"hour": 3, "minute": 30, "second": 22}
